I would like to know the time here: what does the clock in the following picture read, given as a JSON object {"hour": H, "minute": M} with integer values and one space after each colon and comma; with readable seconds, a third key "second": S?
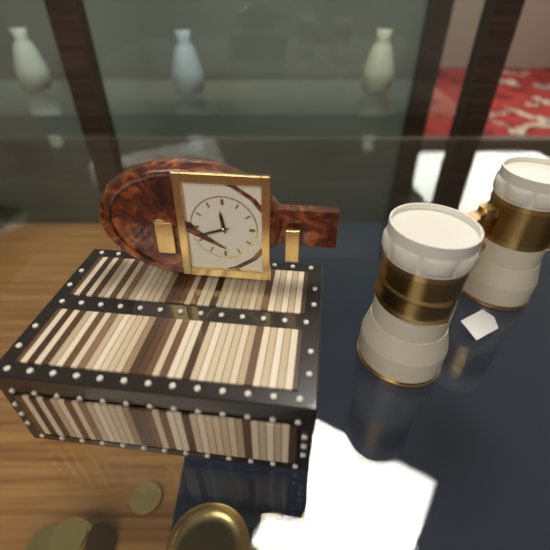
{"hour": 11, "minute": 42}
